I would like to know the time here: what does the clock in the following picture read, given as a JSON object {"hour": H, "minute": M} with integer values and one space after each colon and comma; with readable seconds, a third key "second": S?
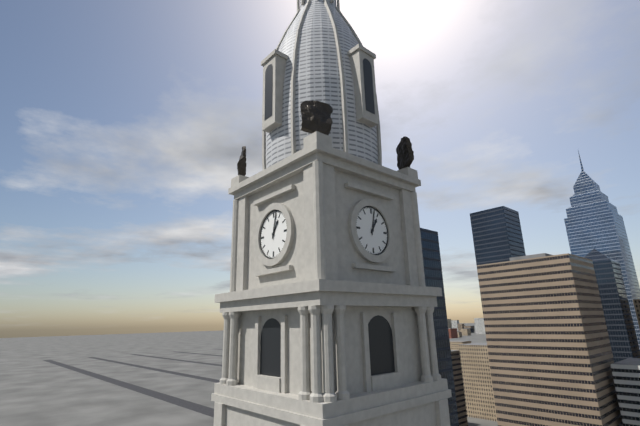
{"hour": 1, "minute": 2}
